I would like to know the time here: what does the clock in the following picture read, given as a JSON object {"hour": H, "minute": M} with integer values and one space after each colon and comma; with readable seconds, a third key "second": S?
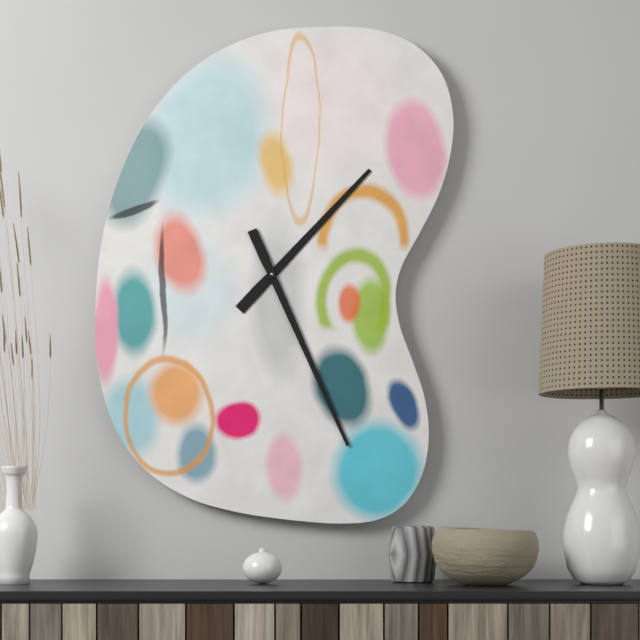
{"hour": 1, "minute": 26}
